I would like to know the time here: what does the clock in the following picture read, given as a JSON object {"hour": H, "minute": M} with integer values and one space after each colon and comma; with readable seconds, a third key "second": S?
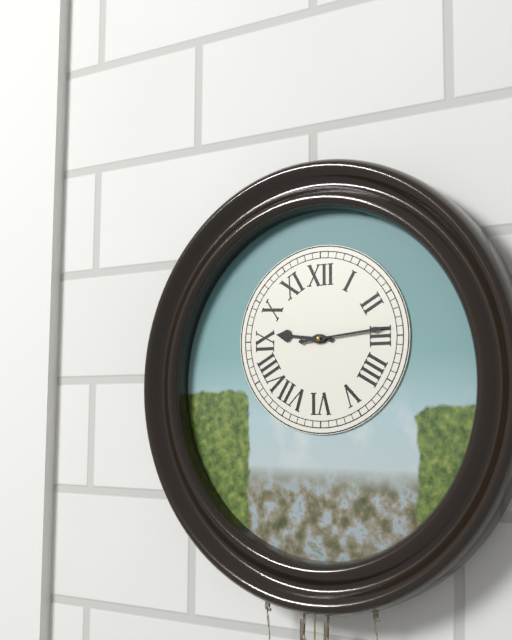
{"hour": 9, "minute": 14}
